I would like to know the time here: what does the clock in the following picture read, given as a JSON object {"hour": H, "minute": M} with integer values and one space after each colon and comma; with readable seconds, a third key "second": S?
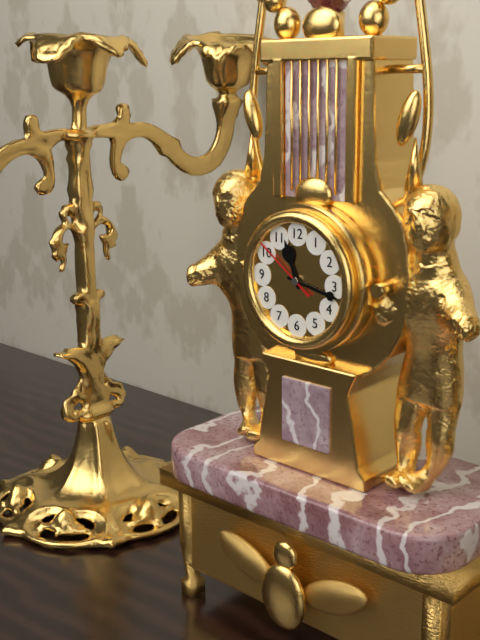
{"hour": 11, "minute": 17, "second": 51}
